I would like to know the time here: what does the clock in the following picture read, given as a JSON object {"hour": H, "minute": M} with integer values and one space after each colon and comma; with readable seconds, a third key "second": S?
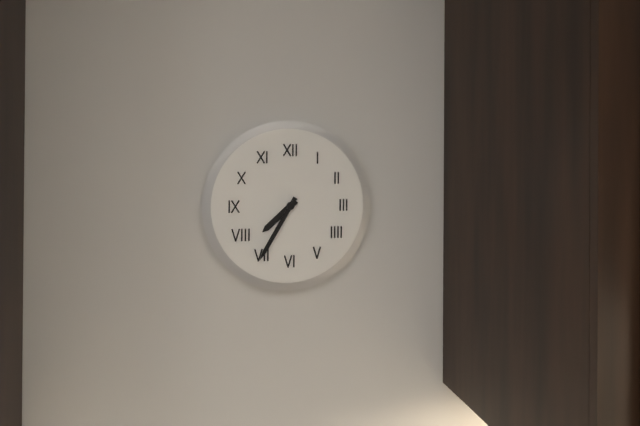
{"hour": 7, "minute": 35}
